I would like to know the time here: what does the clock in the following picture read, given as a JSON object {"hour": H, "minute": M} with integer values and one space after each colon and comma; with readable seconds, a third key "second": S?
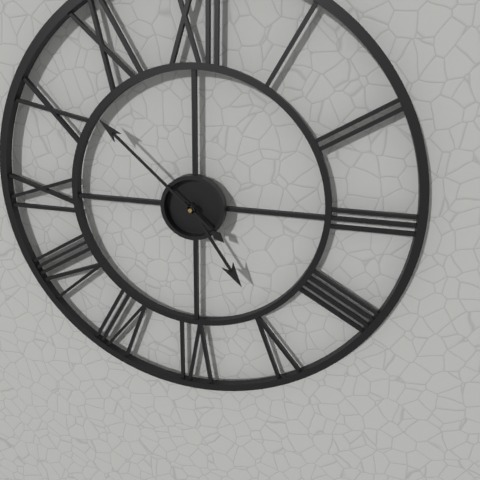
{"hour": 4, "minute": 52}
